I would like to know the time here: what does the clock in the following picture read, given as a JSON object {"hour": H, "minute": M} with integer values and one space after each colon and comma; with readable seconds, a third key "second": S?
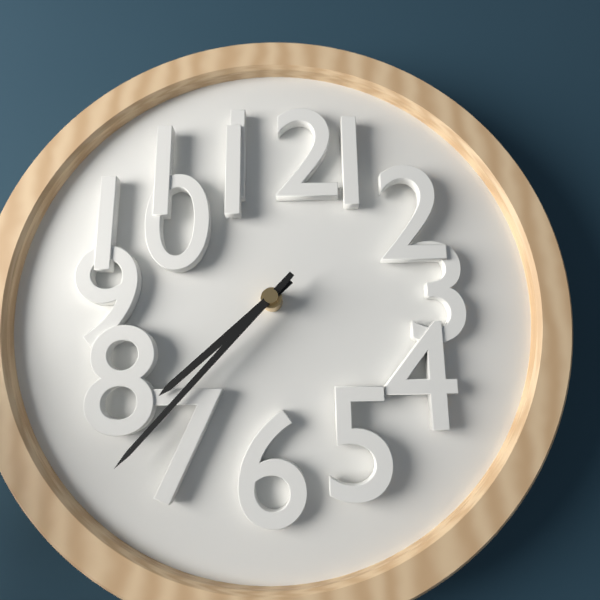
{"hour": 7, "minute": 37}
